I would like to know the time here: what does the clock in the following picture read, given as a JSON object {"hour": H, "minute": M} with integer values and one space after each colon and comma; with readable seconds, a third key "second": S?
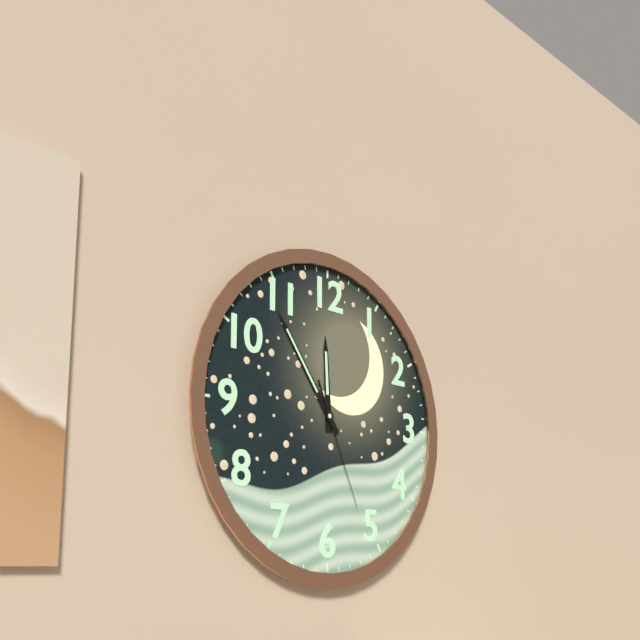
{"hour": 11, "minute": 54, "second": 26}
